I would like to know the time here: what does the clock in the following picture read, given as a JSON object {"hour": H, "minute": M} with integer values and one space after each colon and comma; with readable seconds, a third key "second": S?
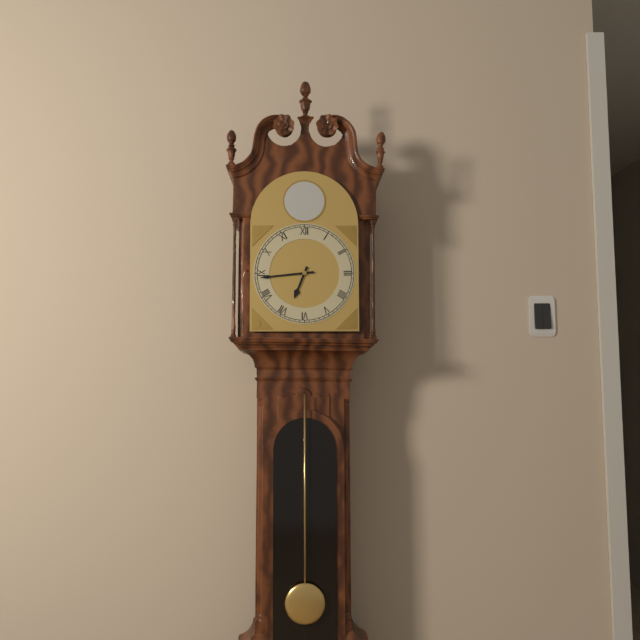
{"hour": 6, "minute": 44}
